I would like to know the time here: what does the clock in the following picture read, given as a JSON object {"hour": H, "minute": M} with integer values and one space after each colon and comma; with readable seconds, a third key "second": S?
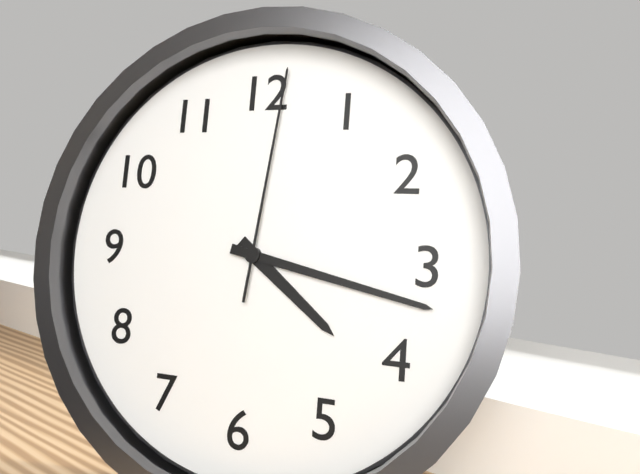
{"hour": 4, "minute": 17, "second": 1}
